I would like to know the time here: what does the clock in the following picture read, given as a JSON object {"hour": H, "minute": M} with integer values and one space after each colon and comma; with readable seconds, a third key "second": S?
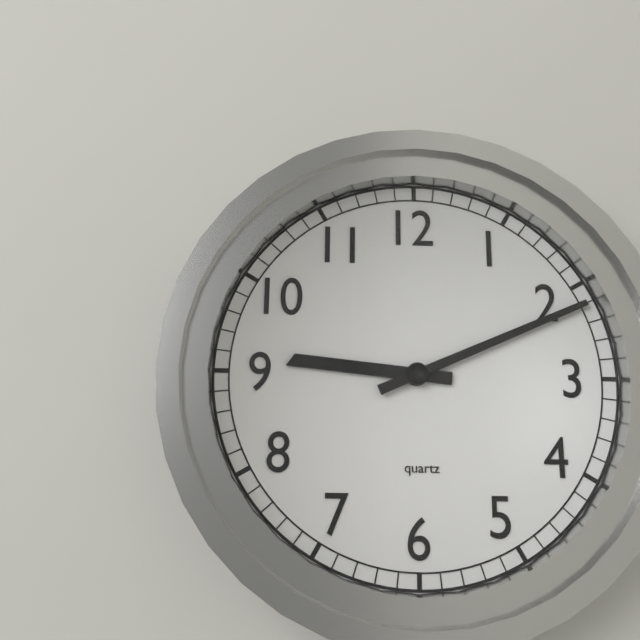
{"hour": 9, "minute": 11}
